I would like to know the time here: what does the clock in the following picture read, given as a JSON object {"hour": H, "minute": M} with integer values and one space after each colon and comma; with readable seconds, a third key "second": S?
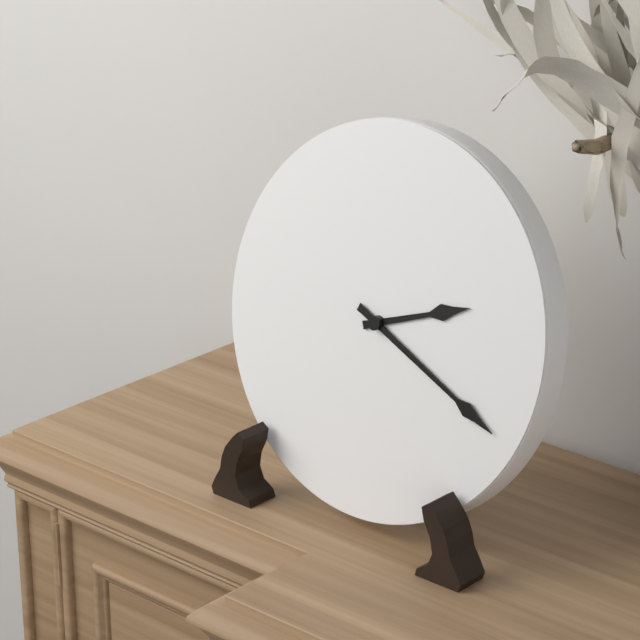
{"hour": 2, "minute": 19}
